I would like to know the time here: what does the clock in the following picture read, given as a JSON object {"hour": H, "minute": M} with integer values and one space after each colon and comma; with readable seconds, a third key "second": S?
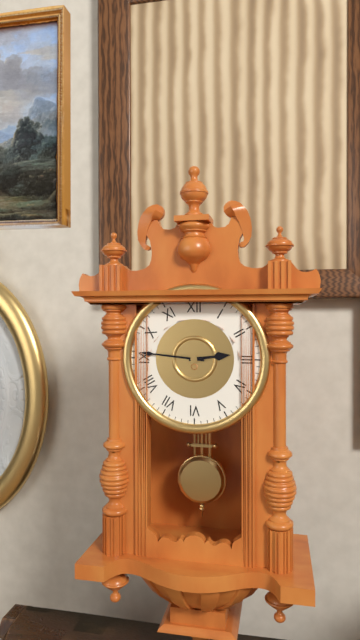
{"hour": 2, "minute": 46}
